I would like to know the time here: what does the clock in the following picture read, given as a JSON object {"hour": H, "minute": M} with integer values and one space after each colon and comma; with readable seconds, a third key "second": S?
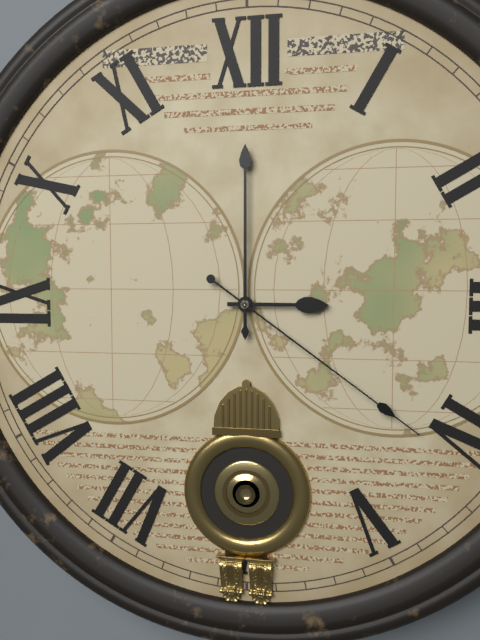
{"hour": 3, "minute": 0, "second": 21}
